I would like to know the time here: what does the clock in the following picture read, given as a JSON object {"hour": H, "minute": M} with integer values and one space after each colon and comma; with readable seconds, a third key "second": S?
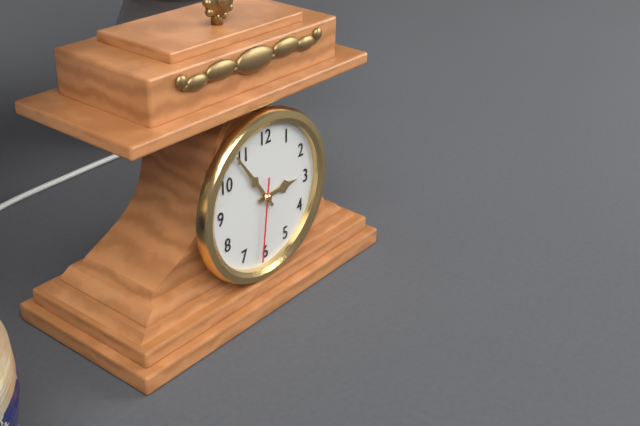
{"hour": 2, "minute": 54, "second": 31}
